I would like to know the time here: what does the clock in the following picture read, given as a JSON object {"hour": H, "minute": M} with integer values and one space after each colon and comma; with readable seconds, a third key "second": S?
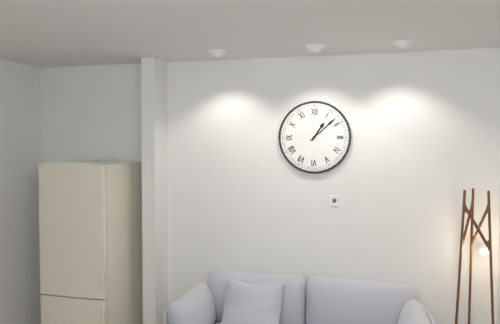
{"hour": 1, "minute": 8}
